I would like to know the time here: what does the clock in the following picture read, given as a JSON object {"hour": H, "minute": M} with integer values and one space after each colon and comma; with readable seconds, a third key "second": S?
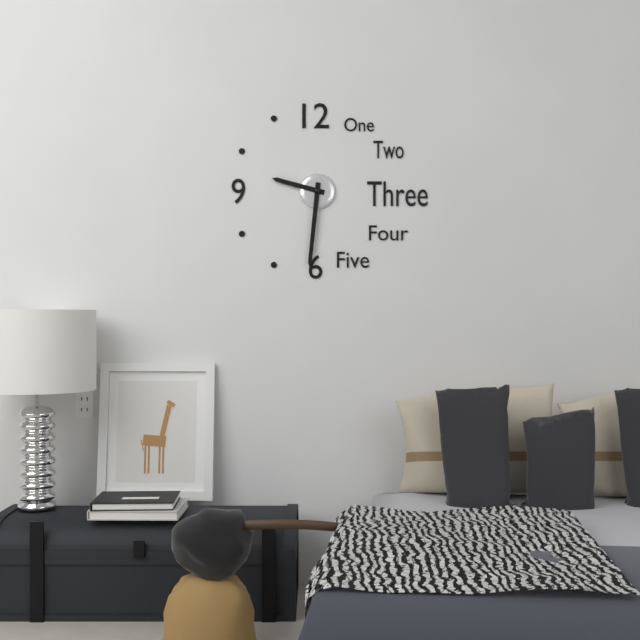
{"hour": 9, "minute": 31}
